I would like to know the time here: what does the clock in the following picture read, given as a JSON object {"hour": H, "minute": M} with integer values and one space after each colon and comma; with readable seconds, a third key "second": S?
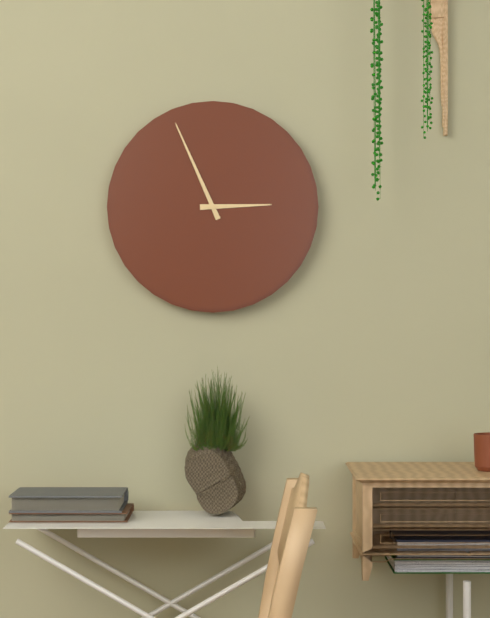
{"hour": 2, "minute": 56}
